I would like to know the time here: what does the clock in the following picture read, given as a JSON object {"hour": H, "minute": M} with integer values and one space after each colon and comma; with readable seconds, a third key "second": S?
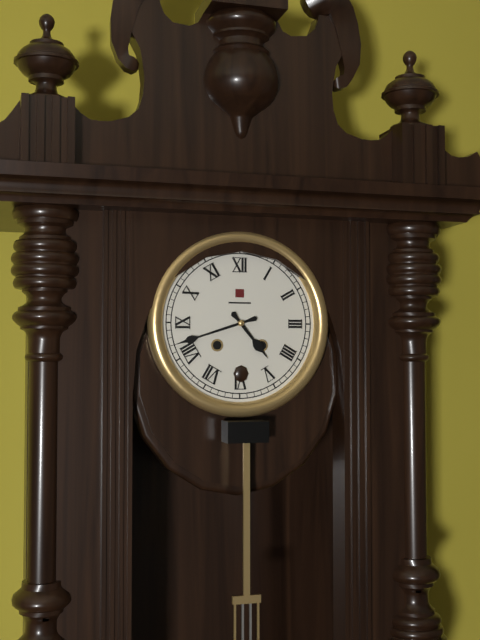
{"hour": 4, "minute": 42}
